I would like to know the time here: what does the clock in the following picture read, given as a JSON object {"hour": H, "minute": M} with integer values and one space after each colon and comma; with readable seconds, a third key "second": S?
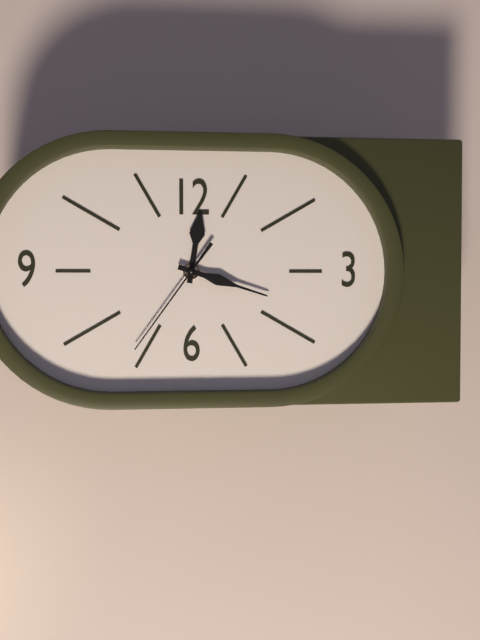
{"hour": 12, "minute": 18, "second": 36}
